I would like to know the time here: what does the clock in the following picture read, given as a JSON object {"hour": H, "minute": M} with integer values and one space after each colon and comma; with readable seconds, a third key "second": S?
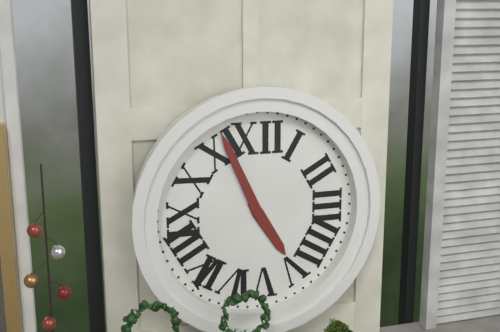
{"hour": 4, "minute": 56}
